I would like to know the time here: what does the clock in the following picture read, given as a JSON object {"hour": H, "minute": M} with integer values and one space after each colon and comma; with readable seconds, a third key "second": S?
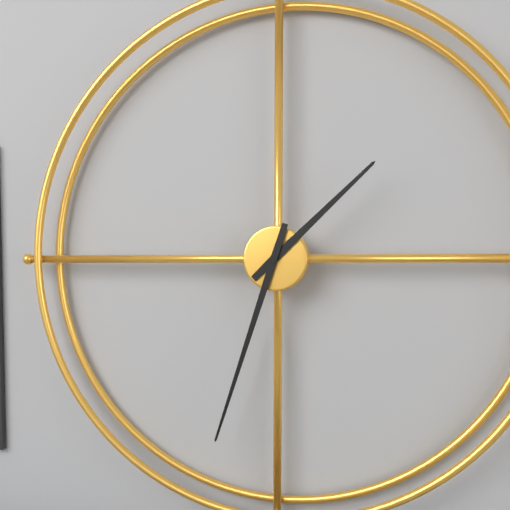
{"hour": 1, "minute": 33}
